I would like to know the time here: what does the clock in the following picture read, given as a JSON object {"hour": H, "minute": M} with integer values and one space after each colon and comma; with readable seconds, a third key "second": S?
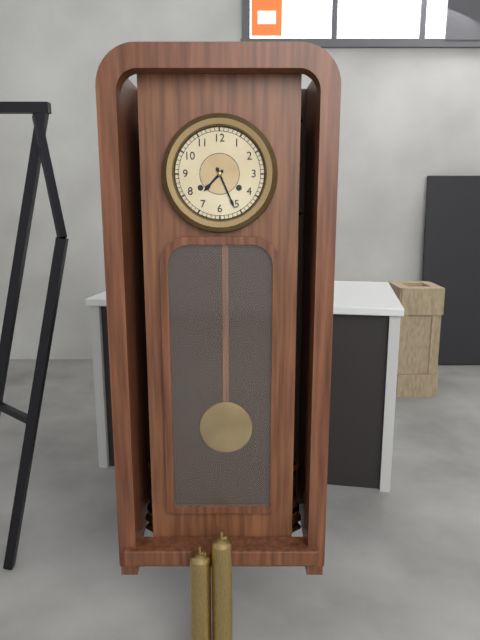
{"hour": 7, "minute": 26}
